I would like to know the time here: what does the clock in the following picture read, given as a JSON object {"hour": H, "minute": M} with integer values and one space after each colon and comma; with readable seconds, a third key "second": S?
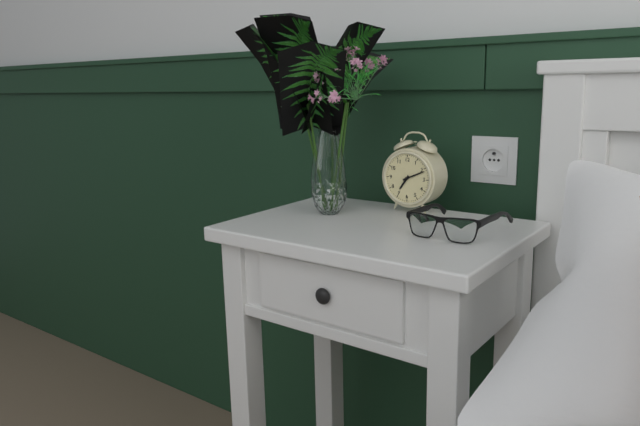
{"hour": 7, "minute": 11}
